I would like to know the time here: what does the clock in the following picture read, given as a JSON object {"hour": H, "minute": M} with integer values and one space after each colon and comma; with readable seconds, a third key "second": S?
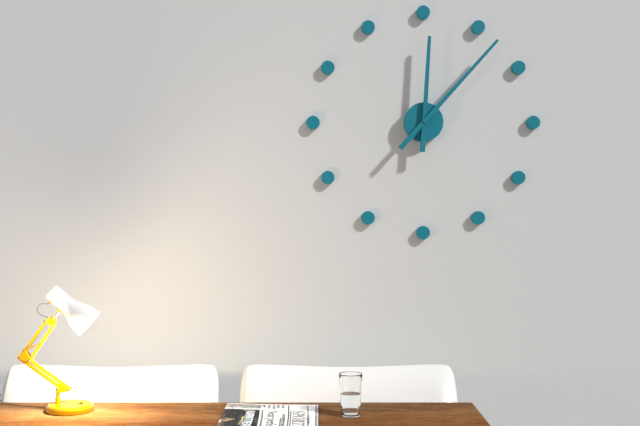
{"hour": 12, "minute": 7}
